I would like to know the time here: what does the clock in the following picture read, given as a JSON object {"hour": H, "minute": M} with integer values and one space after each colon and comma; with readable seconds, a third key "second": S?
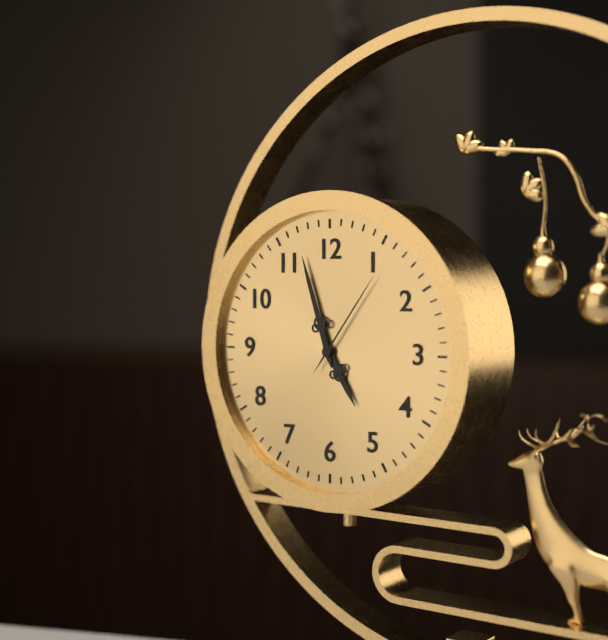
{"hour": 4, "minute": 57, "second": 6}
